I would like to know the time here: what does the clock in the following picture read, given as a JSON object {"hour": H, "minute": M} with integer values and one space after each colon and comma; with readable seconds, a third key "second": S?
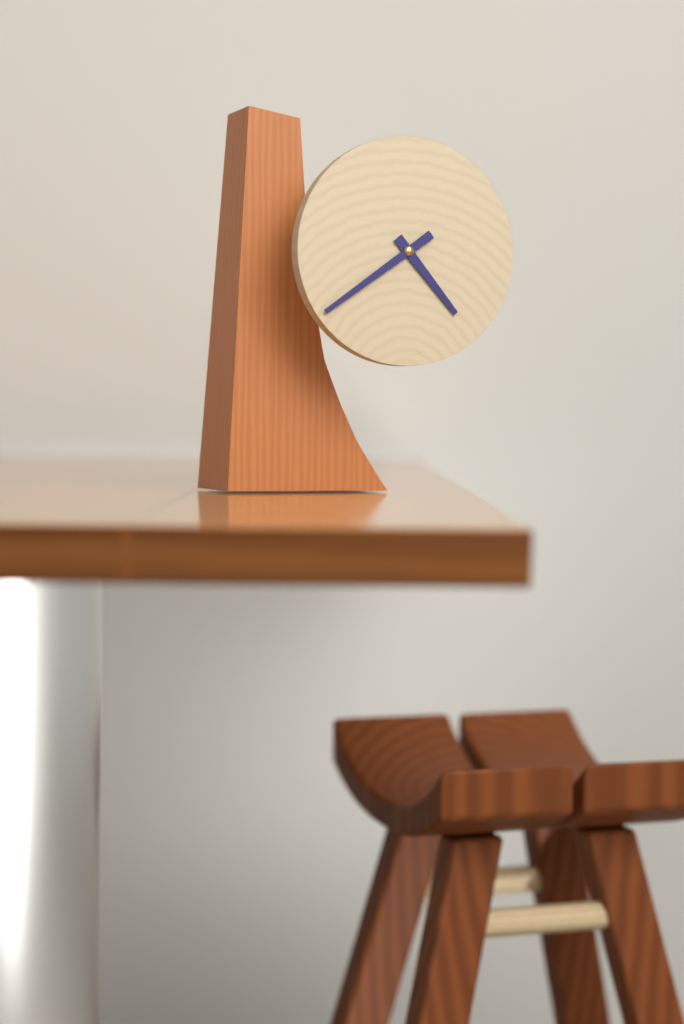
{"hour": 4, "minute": 39}
